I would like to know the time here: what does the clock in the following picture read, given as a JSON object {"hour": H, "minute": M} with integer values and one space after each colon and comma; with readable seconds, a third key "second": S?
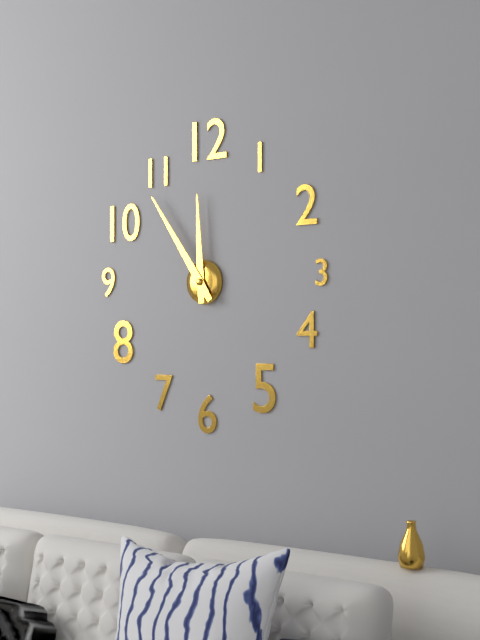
{"hour": 11, "minute": 54}
